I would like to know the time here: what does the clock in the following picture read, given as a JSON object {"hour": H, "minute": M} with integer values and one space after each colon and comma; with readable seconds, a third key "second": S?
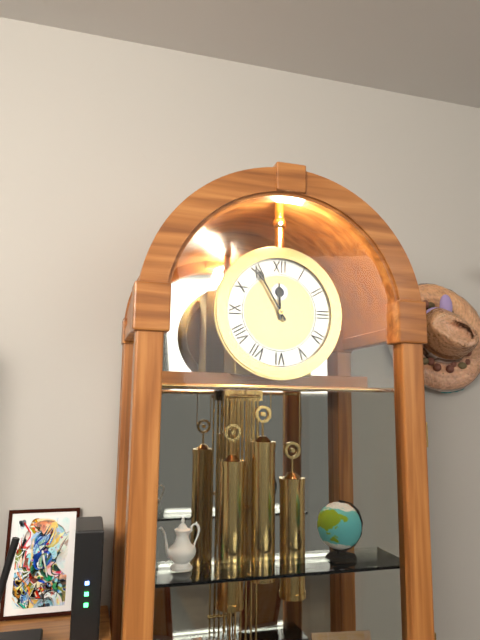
{"hour": 11, "minute": 55}
